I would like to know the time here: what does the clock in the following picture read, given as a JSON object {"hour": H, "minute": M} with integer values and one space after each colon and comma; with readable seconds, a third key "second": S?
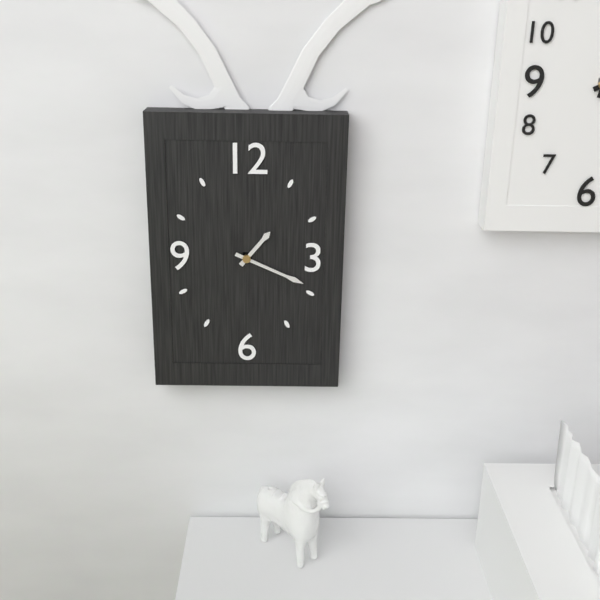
{"hour": 1, "minute": 19}
